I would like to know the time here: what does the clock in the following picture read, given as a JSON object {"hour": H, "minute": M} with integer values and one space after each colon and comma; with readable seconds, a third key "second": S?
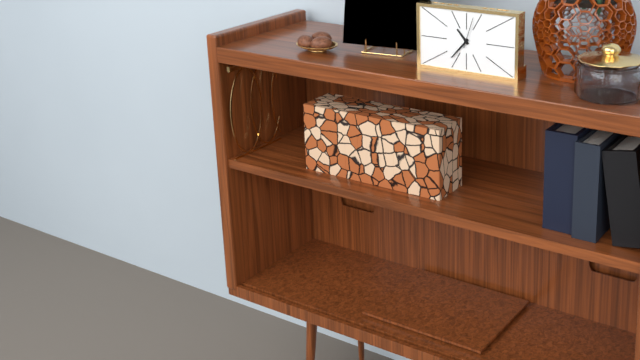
{"hour": 10, "minute": 37}
